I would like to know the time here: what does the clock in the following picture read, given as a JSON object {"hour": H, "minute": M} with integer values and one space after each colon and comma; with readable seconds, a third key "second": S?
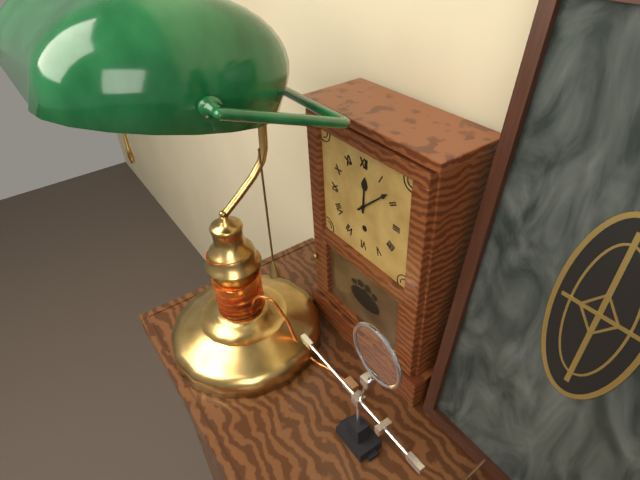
{"hour": 12, "minute": 8}
